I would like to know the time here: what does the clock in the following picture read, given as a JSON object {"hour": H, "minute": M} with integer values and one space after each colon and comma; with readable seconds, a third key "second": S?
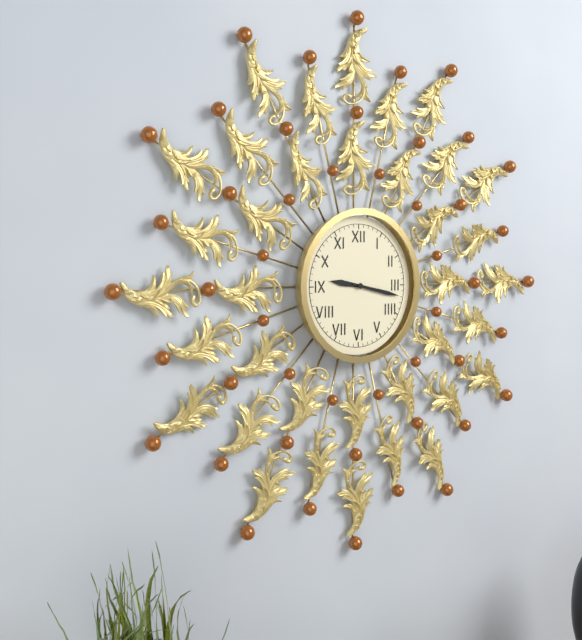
{"hour": 9, "minute": 17}
